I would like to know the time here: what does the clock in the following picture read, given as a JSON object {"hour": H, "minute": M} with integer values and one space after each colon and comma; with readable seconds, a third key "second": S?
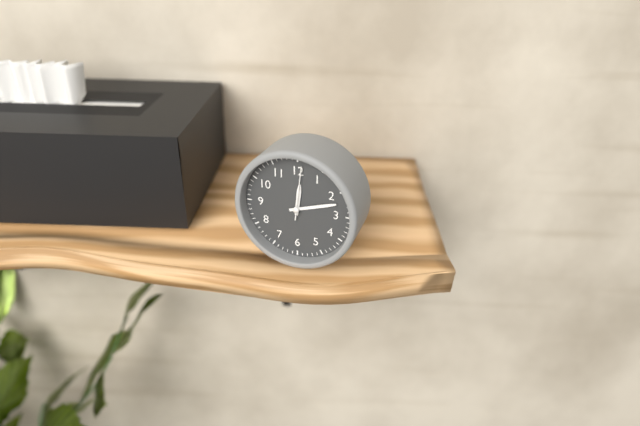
{"hour": 12, "minute": 12, "second": 1}
